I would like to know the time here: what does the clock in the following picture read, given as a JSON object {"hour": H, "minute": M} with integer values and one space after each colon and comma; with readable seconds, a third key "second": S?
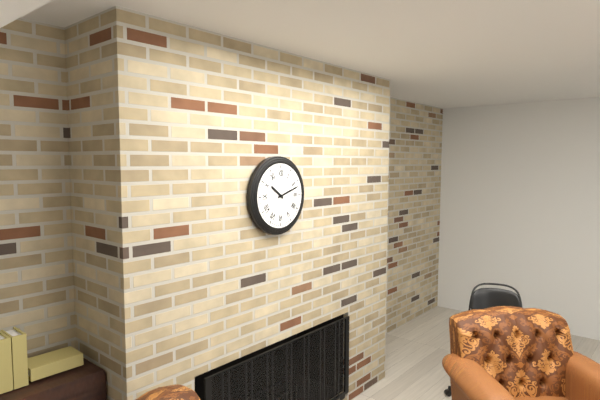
{"hour": 10, "minute": 12}
